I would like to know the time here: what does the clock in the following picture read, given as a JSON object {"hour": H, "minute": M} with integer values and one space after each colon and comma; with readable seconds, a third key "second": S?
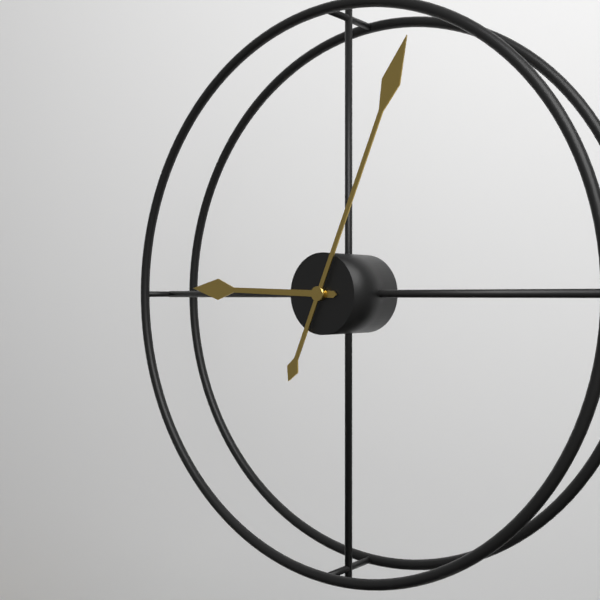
{"hour": 9, "minute": 4}
